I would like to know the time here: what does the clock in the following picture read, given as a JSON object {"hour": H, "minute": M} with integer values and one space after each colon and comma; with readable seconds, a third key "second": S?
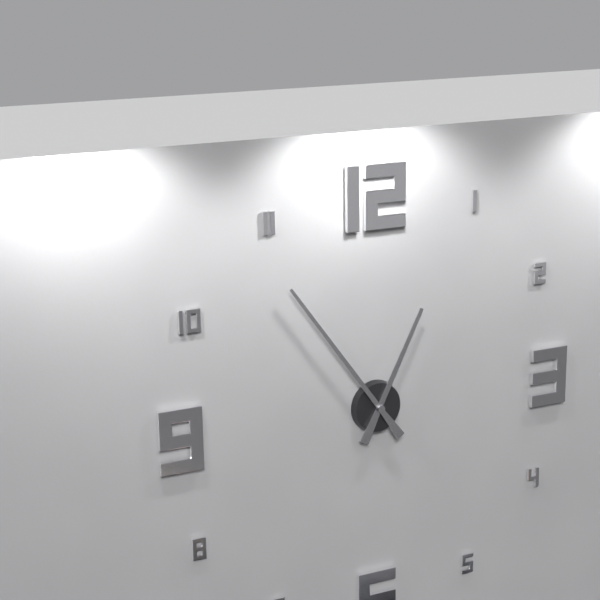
{"hour": 12, "minute": 54}
